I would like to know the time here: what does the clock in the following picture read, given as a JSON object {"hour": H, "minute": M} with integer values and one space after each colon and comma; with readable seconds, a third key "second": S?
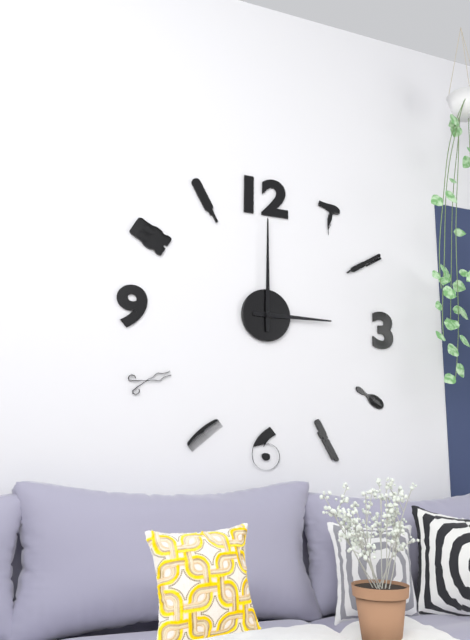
{"hour": 3, "minute": 0}
